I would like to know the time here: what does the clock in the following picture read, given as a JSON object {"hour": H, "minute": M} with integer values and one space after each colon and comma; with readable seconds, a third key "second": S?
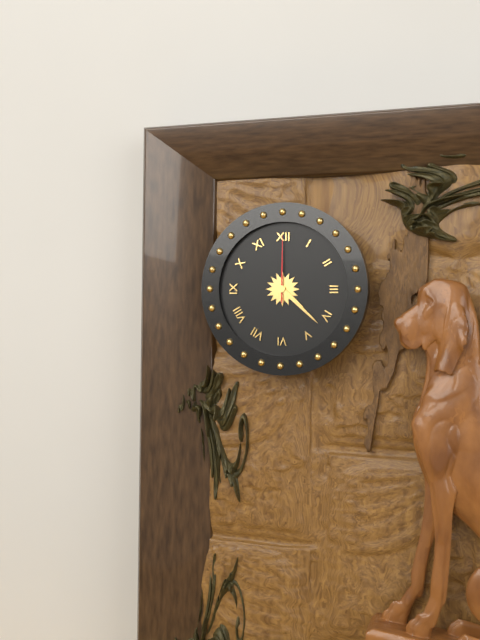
{"hour": 4, "minute": 22, "second": 0}
